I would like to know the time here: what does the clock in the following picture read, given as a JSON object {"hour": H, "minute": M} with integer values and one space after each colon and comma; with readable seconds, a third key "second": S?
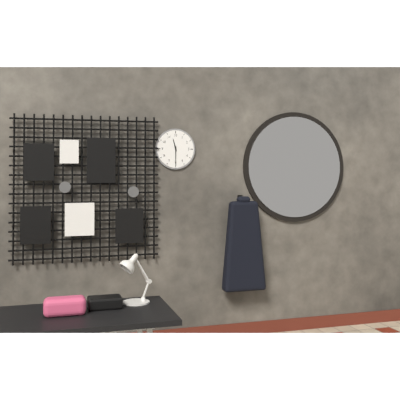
{"hour": 11, "minute": 30}
